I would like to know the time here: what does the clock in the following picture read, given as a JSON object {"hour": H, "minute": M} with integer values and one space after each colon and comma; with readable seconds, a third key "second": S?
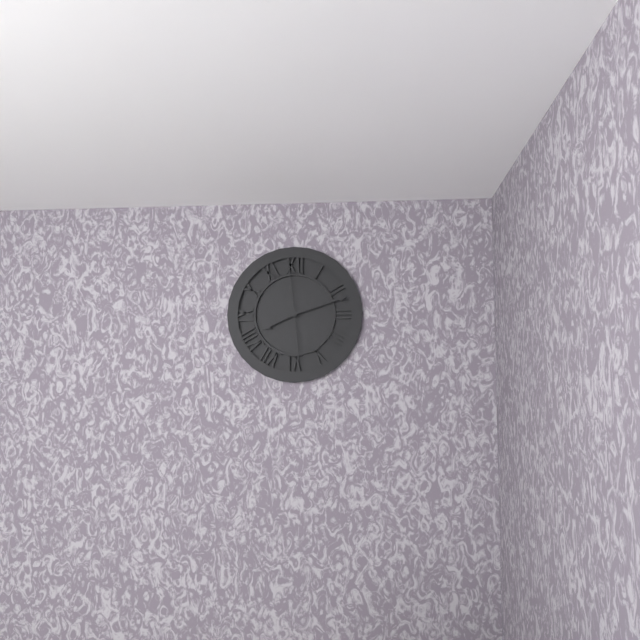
{"hour": 8, "minute": 12, "second": 59}
